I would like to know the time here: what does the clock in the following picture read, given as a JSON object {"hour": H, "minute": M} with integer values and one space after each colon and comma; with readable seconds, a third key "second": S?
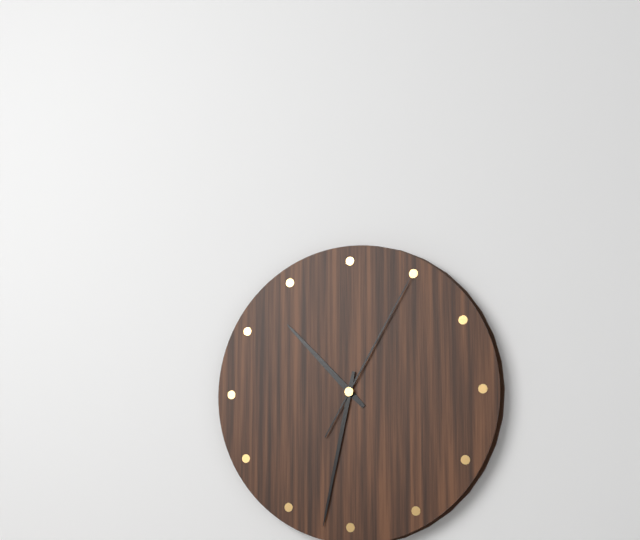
{"hour": 10, "minute": 32, "second": 5}
